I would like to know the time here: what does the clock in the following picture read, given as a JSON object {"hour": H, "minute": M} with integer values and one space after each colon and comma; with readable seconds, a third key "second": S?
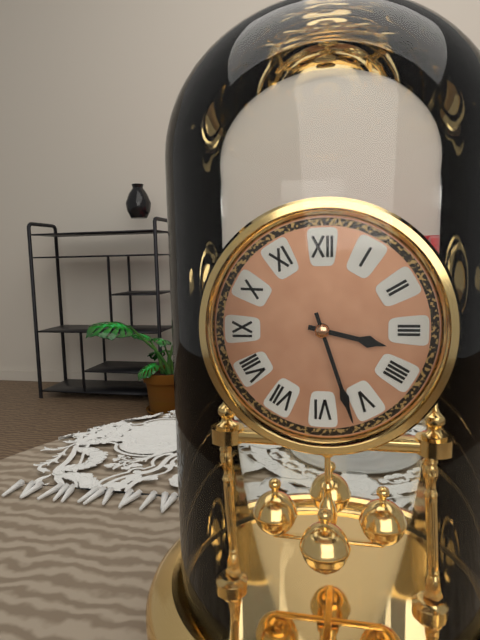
{"hour": 3, "minute": 27}
